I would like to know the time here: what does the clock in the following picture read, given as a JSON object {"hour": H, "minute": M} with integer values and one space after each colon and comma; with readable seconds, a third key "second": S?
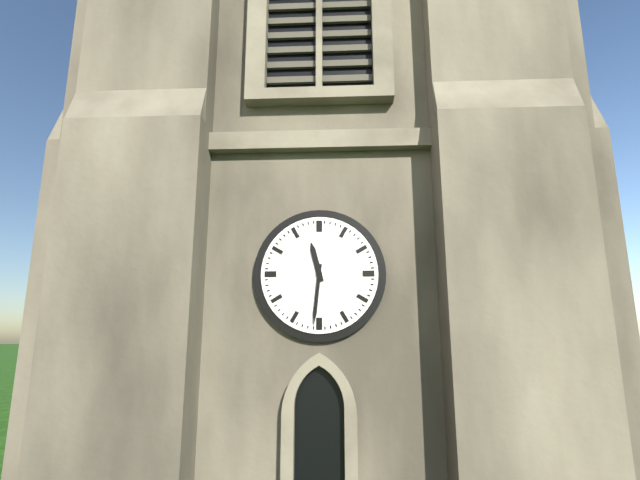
{"hour": 11, "minute": 31}
